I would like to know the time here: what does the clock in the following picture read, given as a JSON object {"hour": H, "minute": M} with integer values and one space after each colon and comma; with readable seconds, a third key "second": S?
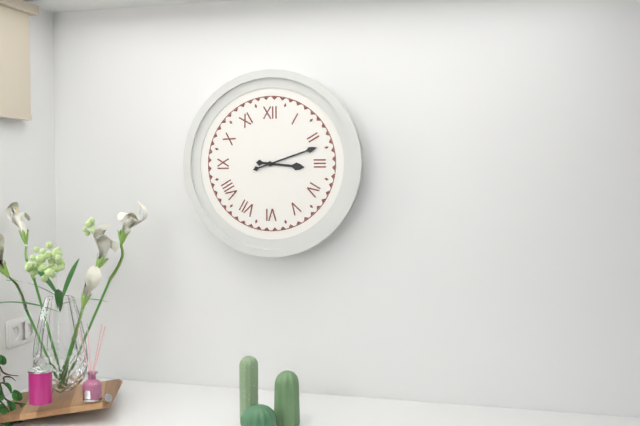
{"hour": 3, "minute": 12}
